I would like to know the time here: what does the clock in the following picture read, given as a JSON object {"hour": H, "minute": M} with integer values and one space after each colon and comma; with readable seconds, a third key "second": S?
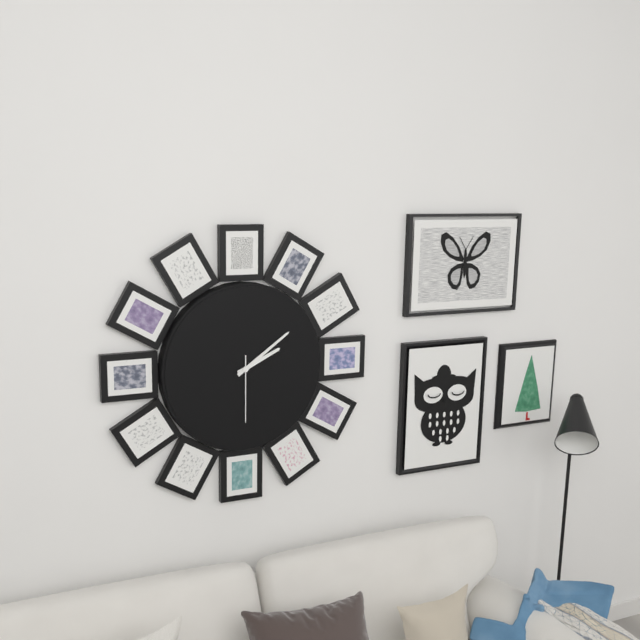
{"hour": 2, "minute": 9, "second": 30}
